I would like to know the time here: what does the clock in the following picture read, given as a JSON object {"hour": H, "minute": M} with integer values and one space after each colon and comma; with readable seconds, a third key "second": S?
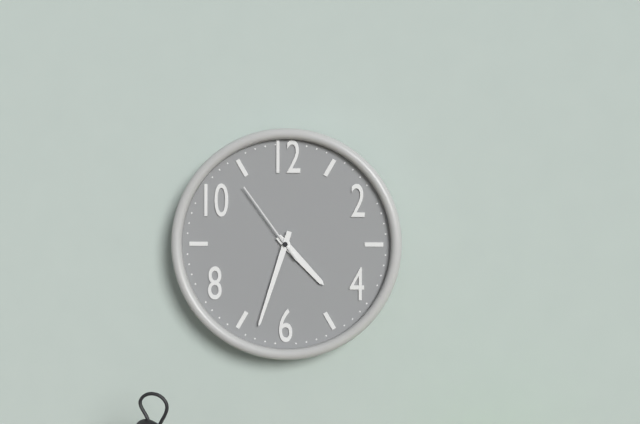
{"hour": 4, "minute": 33, "second": 54}
